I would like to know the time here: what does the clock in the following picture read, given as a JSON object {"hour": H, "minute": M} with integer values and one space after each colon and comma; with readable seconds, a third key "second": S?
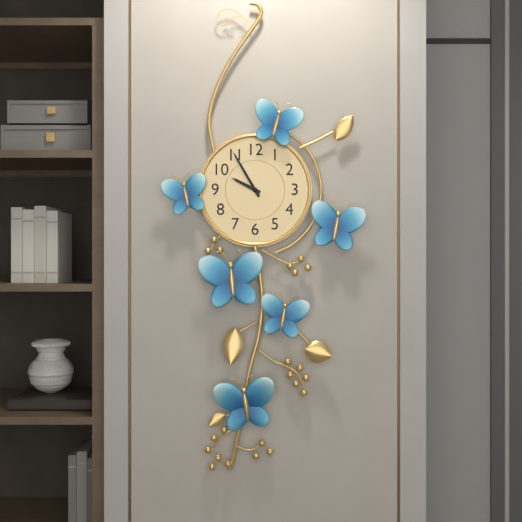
{"hour": 9, "minute": 55}
